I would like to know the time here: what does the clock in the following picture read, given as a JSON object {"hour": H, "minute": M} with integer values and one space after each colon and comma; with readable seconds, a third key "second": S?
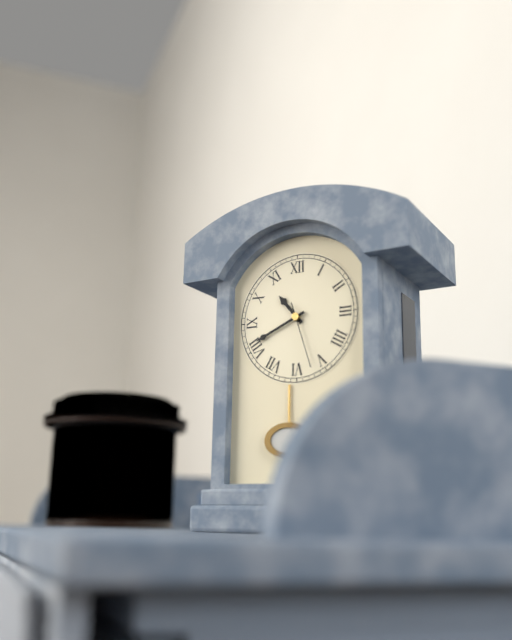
{"hour": 10, "minute": 41}
